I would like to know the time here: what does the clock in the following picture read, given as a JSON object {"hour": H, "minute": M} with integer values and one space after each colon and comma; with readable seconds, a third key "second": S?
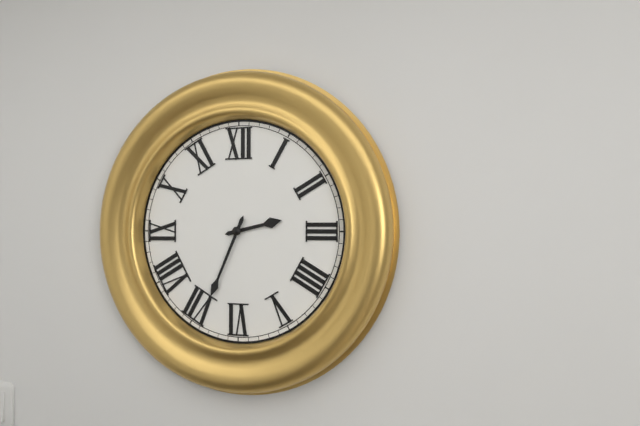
{"hour": 2, "minute": 34}
